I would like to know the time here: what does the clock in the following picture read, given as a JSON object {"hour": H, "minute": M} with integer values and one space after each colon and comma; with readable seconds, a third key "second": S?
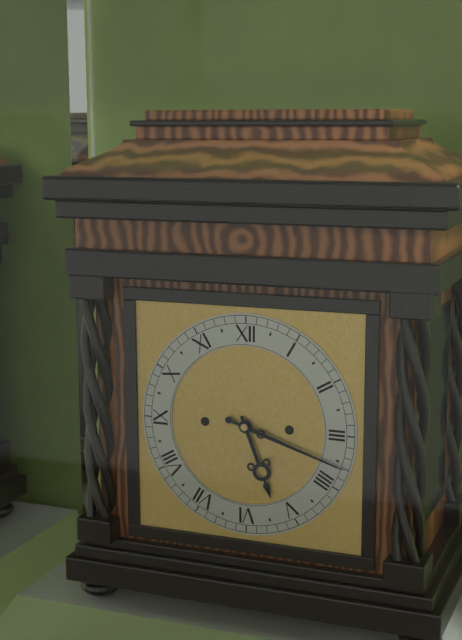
{"hour": 5, "minute": 18}
